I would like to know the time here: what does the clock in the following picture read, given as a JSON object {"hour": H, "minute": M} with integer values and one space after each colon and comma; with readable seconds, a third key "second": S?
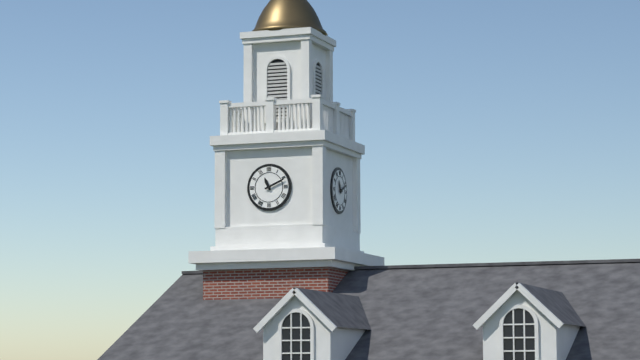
{"hour": 11, "minute": 11}
